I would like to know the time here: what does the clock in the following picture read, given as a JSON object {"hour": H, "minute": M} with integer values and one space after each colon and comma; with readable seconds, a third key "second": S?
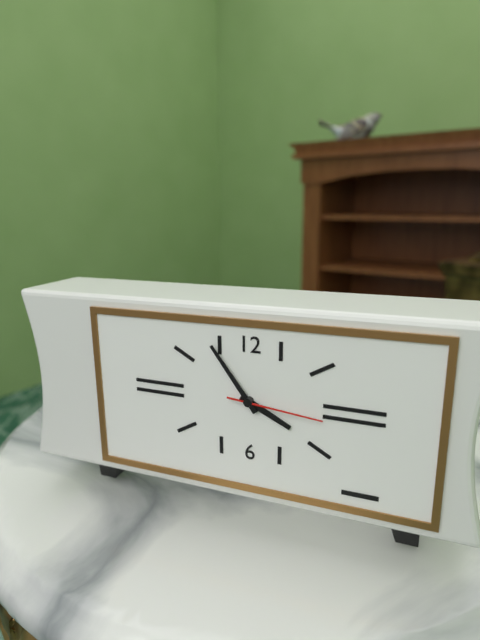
{"hour": 3, "minute": 54, "second": 16}
